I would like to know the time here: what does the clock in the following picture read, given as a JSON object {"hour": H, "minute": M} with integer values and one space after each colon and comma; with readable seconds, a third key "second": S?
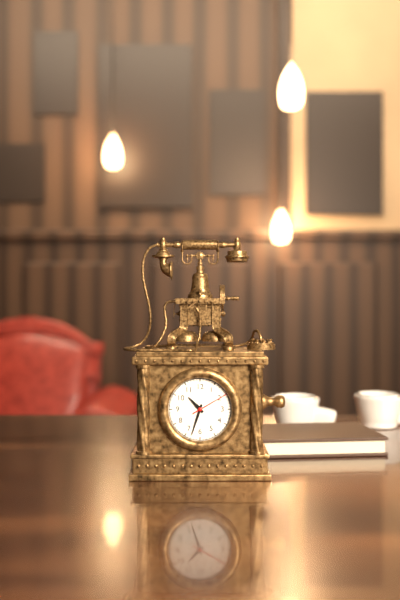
{"hour": 10, "minute": 33}
